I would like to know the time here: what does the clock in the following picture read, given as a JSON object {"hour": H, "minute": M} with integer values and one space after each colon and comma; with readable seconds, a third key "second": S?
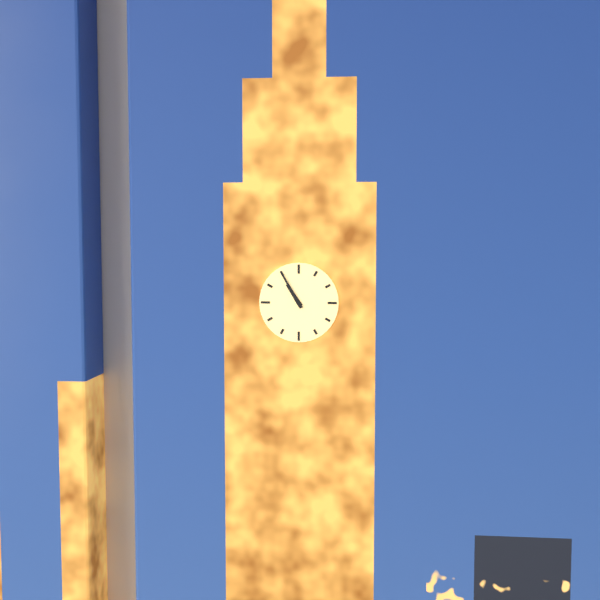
{"hour": 10, "minute": 55}
